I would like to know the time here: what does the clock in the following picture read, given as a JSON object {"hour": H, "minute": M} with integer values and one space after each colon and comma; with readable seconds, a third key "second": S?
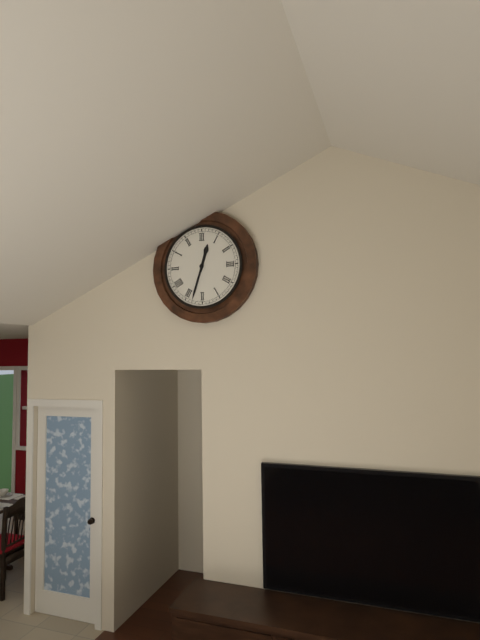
{"hour": 12, "minute": 33}
